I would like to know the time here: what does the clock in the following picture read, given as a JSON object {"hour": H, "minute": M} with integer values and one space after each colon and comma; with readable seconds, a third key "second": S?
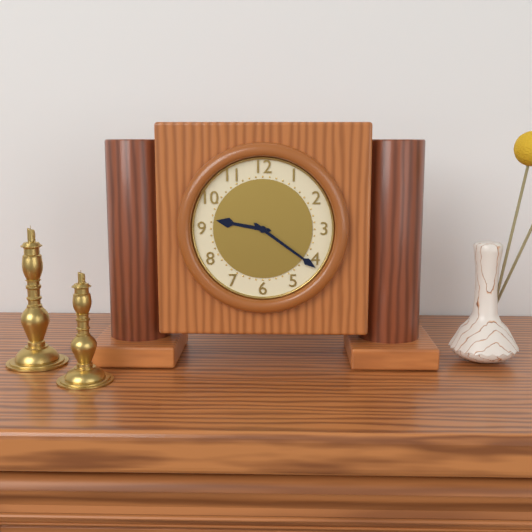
{"hour": 9, "minute": 21}
